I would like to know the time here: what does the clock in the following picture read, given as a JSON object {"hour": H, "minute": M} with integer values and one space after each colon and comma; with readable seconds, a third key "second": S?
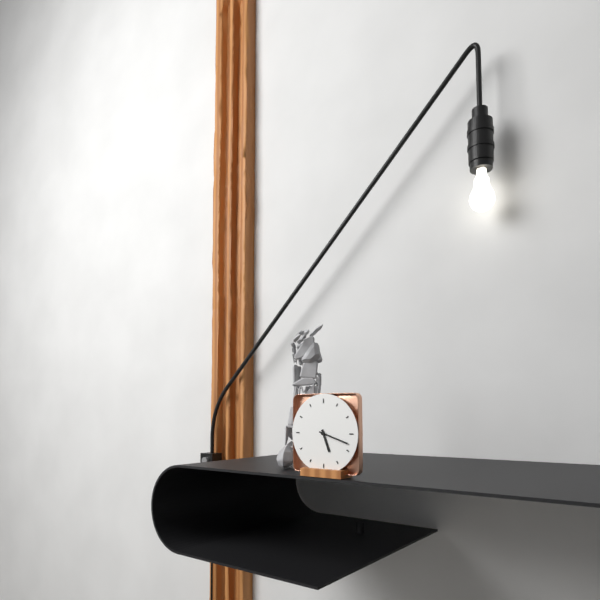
{"hour": 5, "minute": 18}
